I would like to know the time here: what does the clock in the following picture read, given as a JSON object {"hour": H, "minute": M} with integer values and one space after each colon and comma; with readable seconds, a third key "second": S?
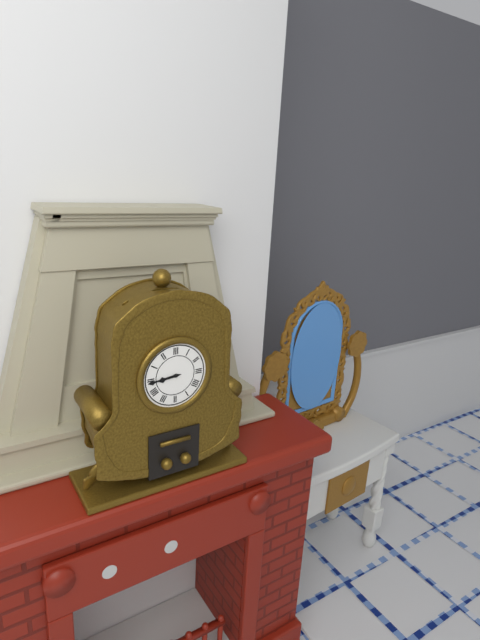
{"hour": 8, "minute": 44}
